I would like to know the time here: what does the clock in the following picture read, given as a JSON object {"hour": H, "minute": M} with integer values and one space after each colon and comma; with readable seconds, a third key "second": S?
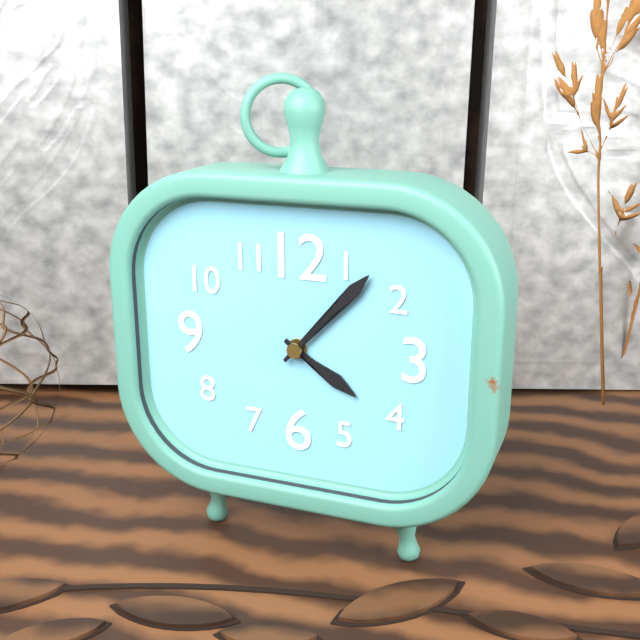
{"hour": 4, "minute": 7}
